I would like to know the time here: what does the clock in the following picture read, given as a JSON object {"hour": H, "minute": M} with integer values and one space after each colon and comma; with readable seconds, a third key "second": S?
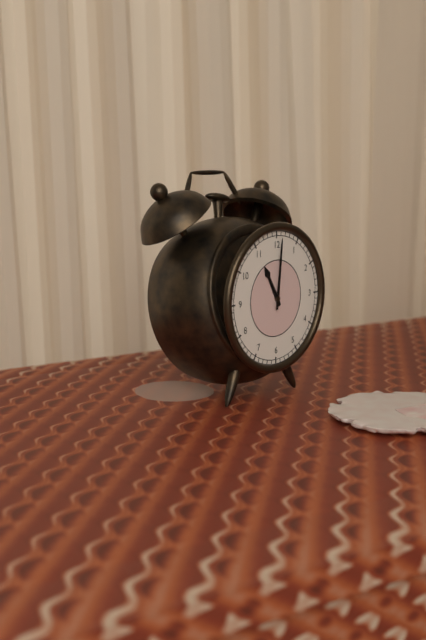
{"hour": 11, "minute": 1}
